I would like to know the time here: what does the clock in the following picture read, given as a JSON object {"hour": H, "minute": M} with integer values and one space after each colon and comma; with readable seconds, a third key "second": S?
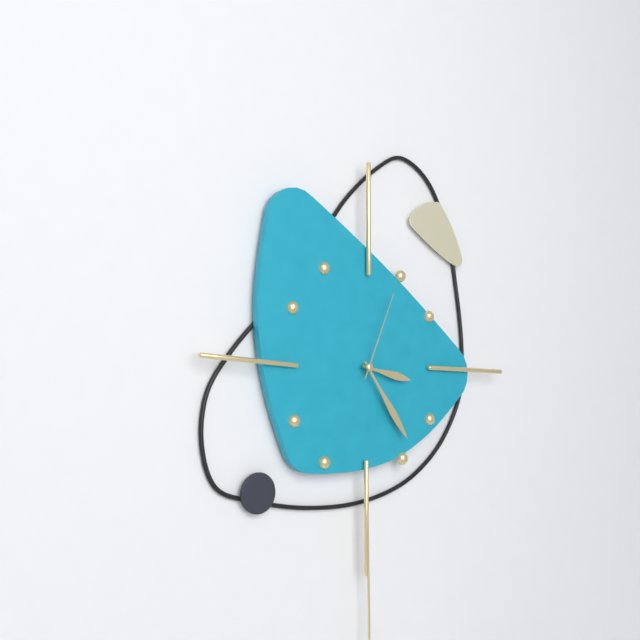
{"hour": 3, "minute": 24, "second": 4}
